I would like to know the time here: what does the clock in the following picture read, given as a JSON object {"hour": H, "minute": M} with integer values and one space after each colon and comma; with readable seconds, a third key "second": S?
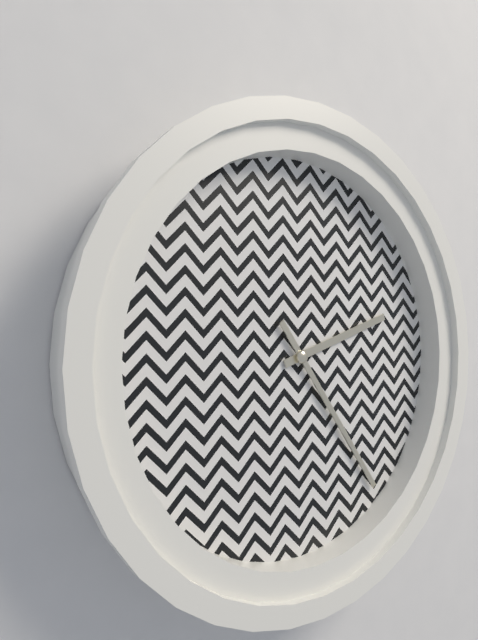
{"hour": 2, "minute": 24}
